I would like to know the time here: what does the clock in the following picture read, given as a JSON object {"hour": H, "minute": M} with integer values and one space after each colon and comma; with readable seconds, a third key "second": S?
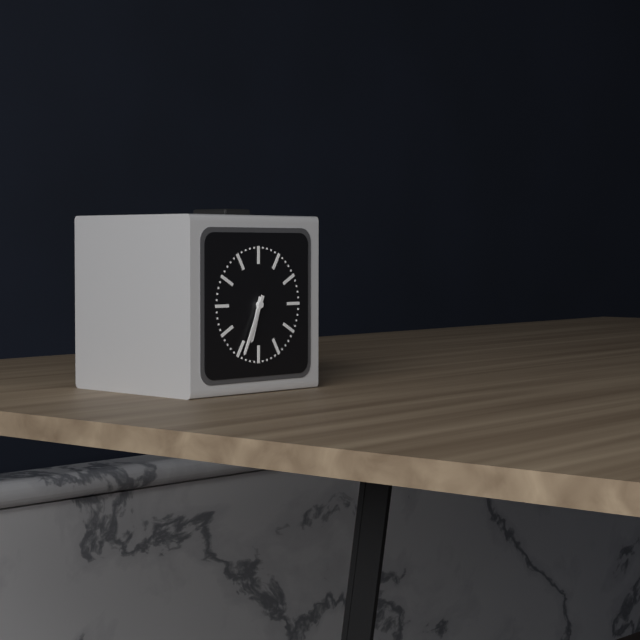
{"hour": 6, "minute": 34}
